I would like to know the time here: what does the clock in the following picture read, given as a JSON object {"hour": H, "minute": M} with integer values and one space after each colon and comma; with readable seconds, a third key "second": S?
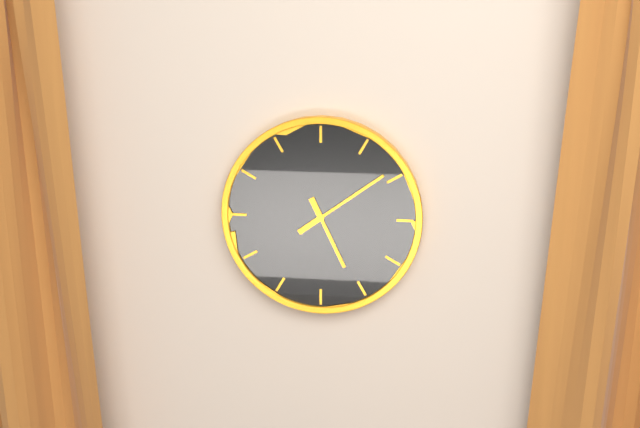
{"hour": 5, "minute": 9}
